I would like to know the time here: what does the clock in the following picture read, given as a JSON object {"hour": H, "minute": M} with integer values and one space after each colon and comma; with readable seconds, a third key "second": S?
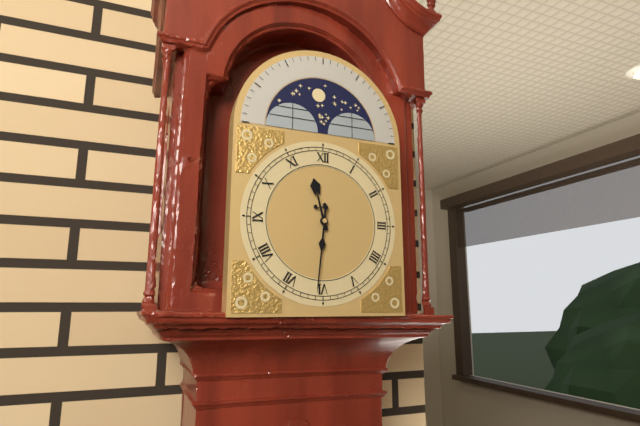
{"hour": 11, "minute": 31}
